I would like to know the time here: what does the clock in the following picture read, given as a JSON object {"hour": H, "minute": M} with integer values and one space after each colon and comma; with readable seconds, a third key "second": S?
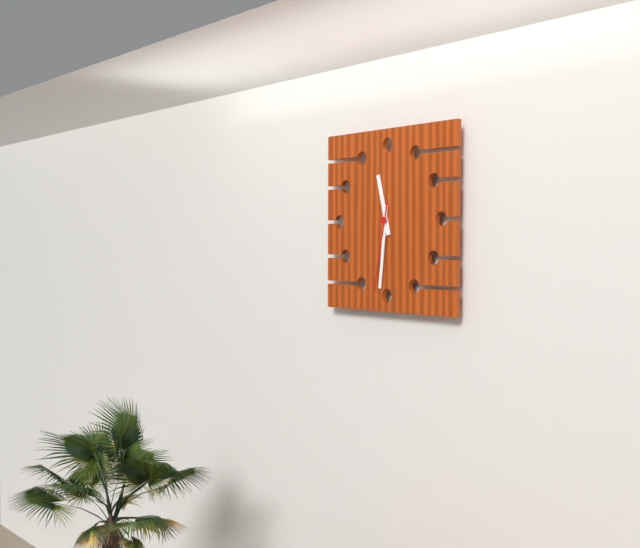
{"hour": 11, "minute": 31, "second": 32}
